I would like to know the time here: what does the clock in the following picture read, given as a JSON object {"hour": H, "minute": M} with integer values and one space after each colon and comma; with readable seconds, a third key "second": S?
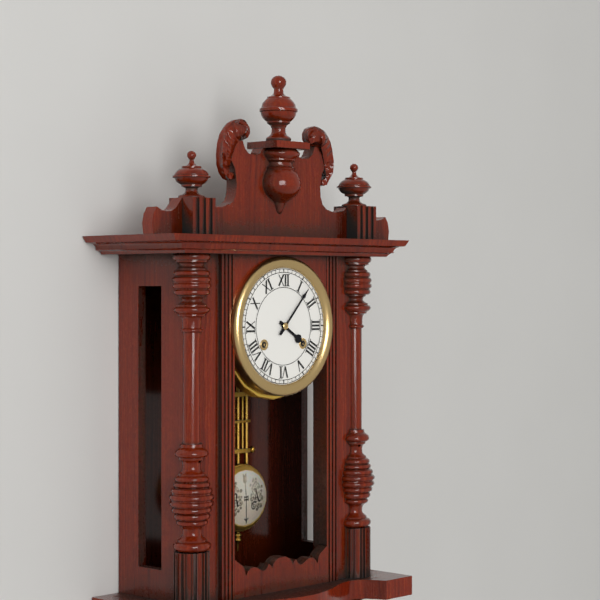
{"hour": 4, "minute": 7}
